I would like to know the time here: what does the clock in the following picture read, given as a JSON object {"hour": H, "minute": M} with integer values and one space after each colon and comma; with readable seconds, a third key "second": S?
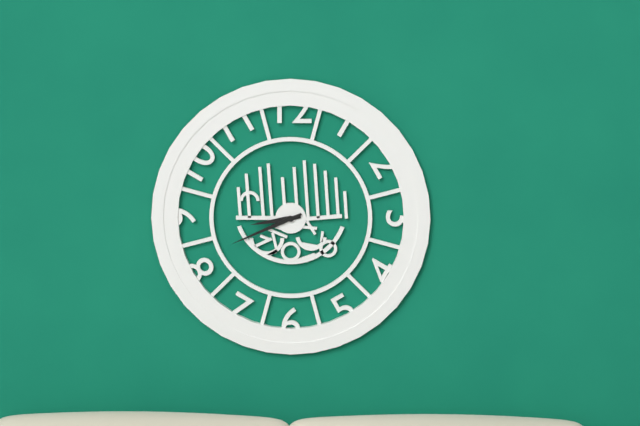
{"hour": 8, "minute": 41}
